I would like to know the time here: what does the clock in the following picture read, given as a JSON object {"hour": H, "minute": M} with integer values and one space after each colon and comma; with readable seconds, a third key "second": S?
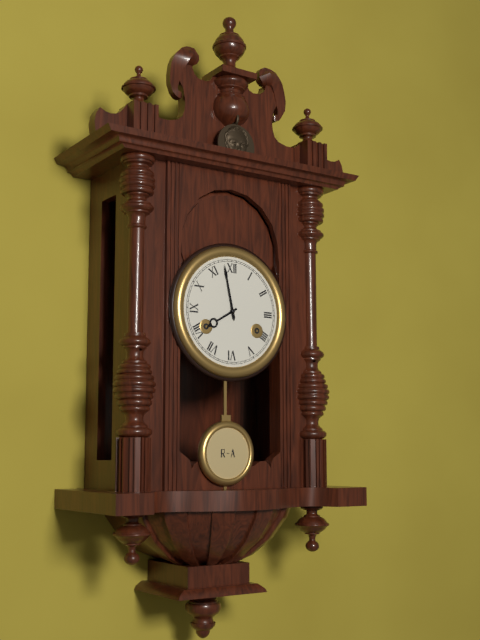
{"hour": 7, "minute": 58}
